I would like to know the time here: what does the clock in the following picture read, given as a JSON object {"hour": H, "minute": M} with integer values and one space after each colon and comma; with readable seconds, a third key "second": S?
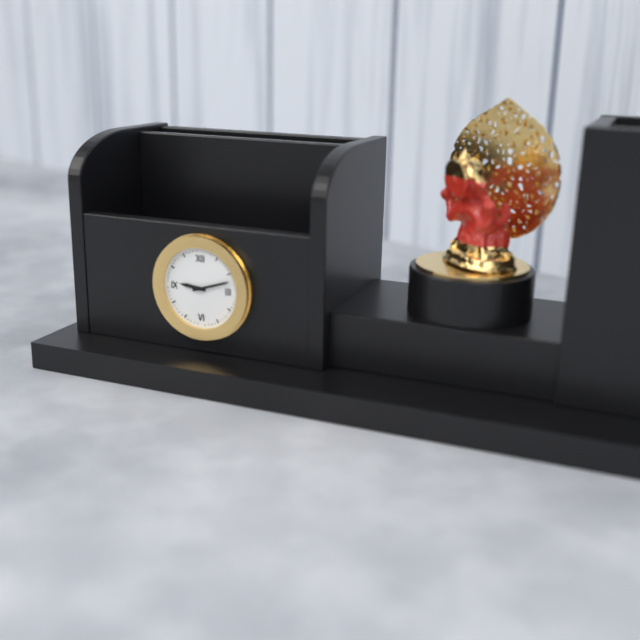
{"hour": 9, "minute": 12}
